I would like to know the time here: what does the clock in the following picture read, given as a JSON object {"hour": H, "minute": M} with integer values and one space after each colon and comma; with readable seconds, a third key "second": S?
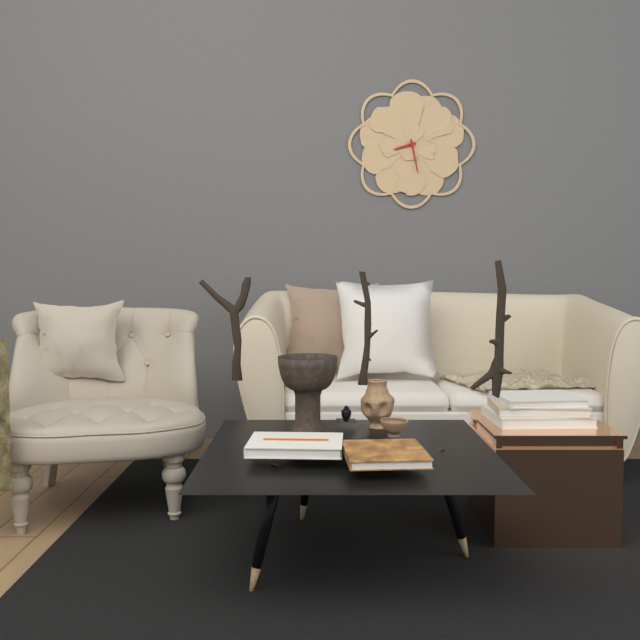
{"hour": 8, "minute": 28}
